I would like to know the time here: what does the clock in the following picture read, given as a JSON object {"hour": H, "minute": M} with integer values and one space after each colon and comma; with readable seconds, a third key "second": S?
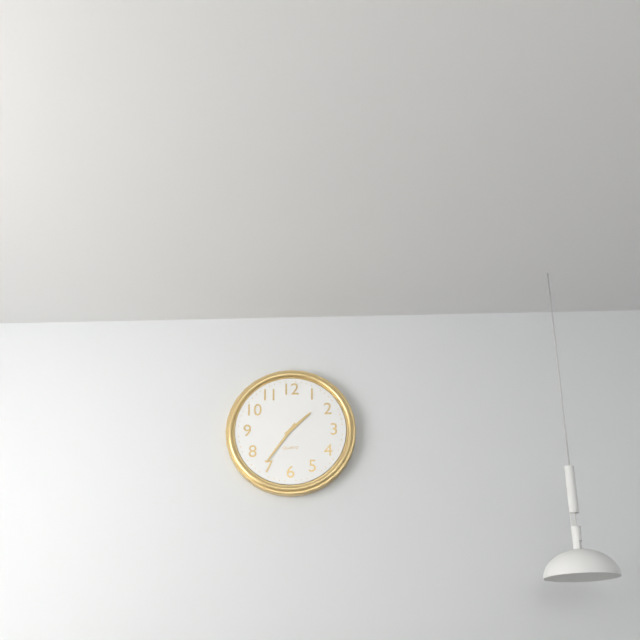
{"hour": 1, "minute": 36}
